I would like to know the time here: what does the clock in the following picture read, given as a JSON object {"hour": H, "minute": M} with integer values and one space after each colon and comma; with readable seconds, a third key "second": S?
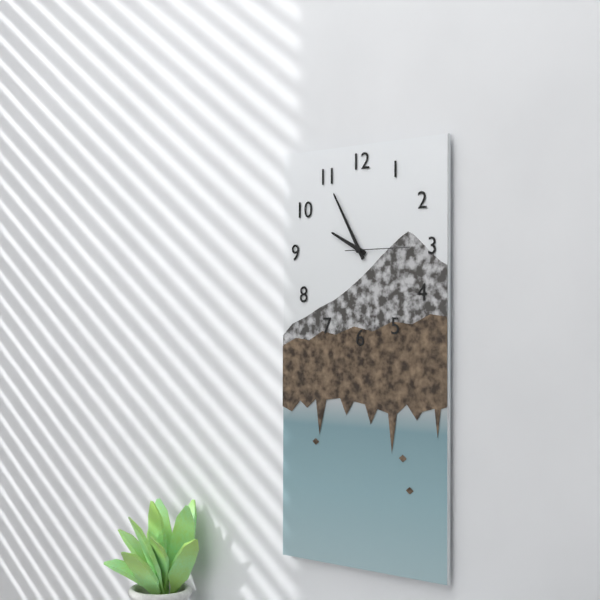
{"hour": 9, "minute": 55, "second": 15}
